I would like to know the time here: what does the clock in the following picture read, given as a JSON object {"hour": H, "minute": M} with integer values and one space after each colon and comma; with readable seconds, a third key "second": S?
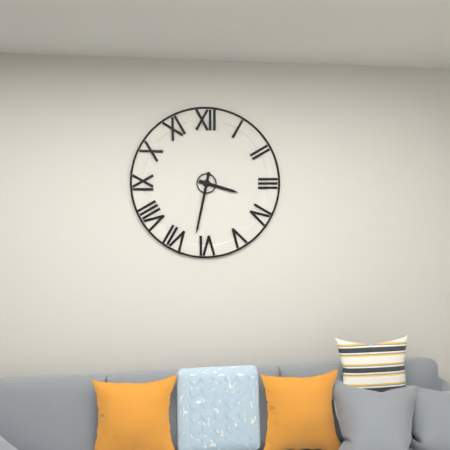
{"hour": 3, "minute": 32}
